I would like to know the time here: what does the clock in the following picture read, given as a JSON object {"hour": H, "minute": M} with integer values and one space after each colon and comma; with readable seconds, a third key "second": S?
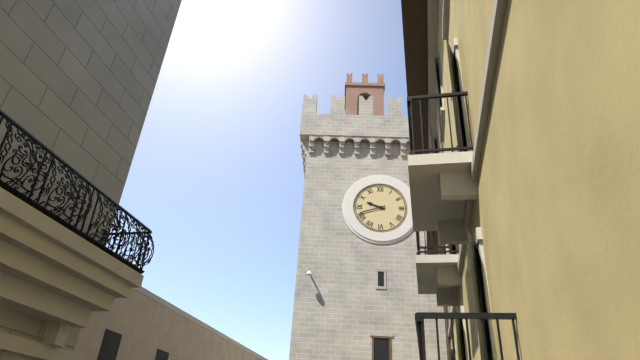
{"hour": 9, "minute": 42}
